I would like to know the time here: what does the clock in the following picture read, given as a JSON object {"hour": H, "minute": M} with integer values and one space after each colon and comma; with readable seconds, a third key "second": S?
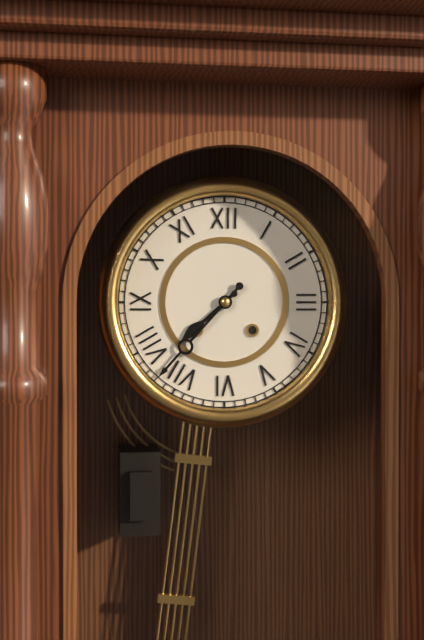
{"hour": 7, "minute": 37}
